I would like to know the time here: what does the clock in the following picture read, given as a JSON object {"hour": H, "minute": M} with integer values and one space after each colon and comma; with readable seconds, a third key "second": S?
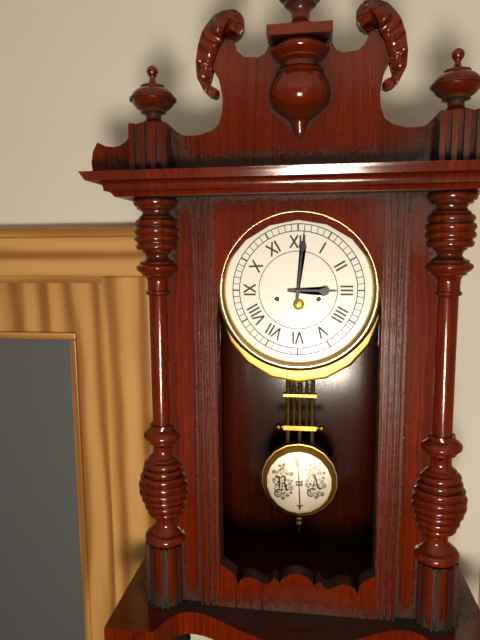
{"hour": 3, "minute": 1}
